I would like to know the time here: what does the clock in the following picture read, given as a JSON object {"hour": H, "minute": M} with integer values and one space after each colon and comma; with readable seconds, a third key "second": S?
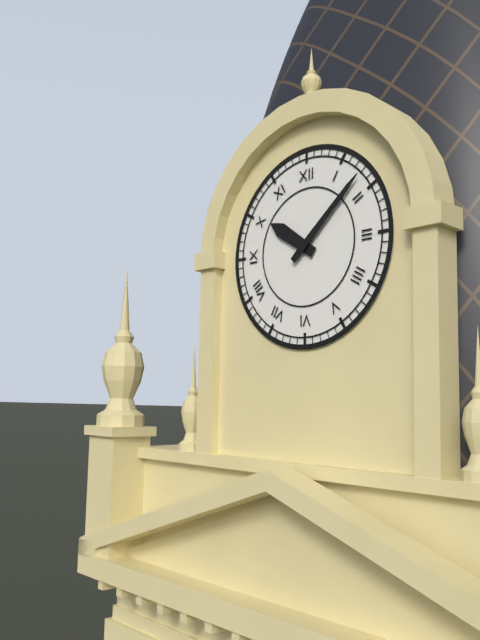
{"hour": 10, "minute": 8}
